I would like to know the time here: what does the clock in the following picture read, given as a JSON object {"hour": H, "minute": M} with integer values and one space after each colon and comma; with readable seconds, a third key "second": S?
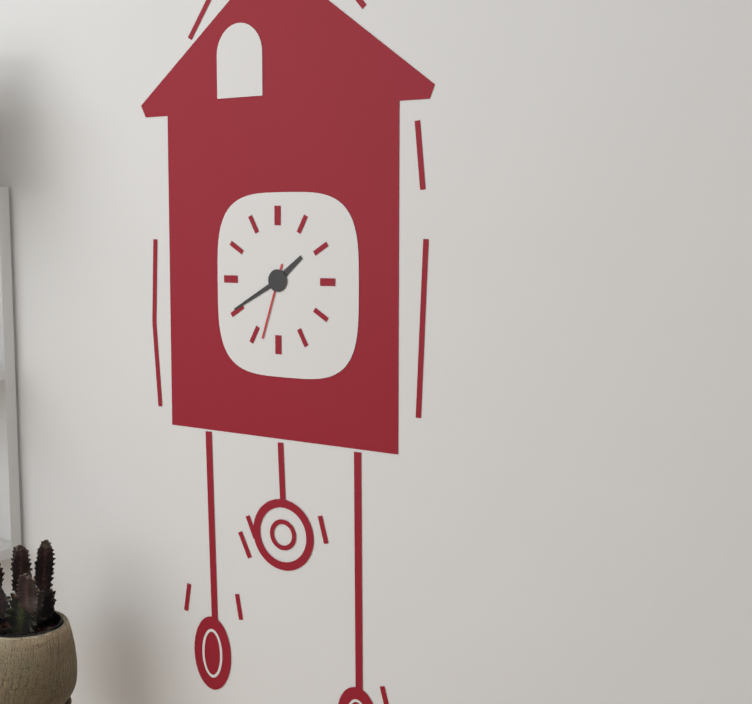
{"hour": 1, "minute": 40, "second": 33}
